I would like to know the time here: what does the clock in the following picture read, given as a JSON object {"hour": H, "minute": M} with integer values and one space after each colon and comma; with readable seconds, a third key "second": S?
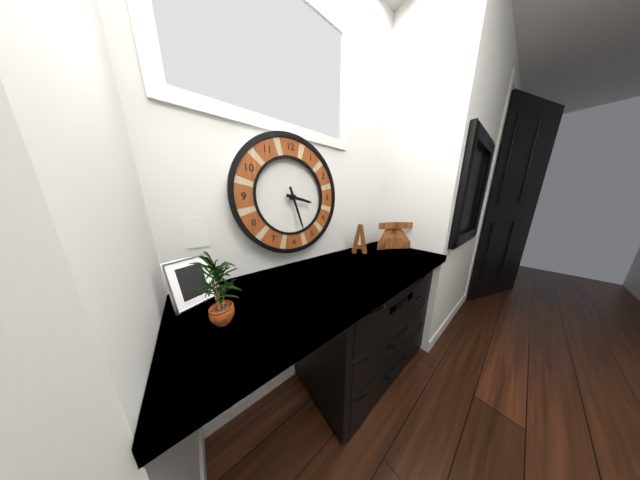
{"hour": 3, "minute": 27}
